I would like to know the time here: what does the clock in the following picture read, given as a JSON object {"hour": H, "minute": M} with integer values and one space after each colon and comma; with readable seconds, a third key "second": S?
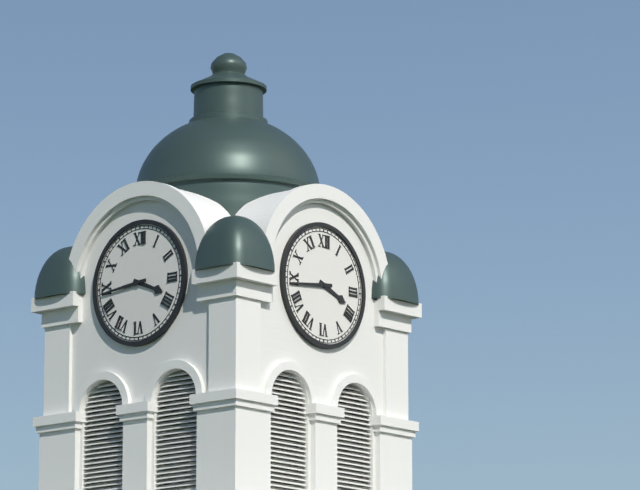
{"hour": 3, "minute": 44}
